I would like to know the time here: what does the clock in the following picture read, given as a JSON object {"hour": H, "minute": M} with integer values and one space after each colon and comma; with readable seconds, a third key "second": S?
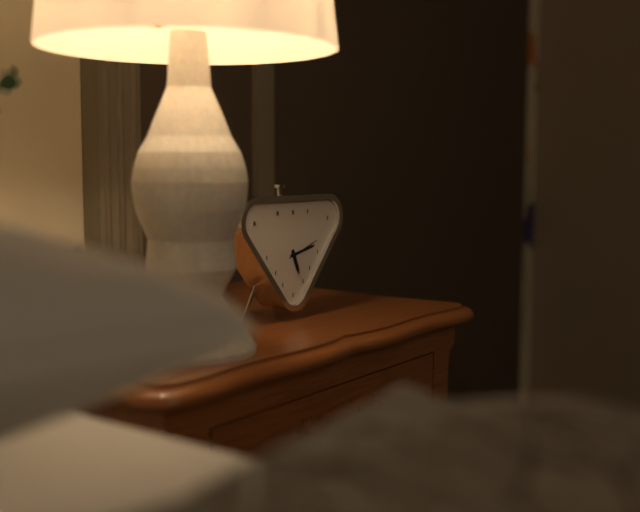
{"hour": 5, "minute": 13}
